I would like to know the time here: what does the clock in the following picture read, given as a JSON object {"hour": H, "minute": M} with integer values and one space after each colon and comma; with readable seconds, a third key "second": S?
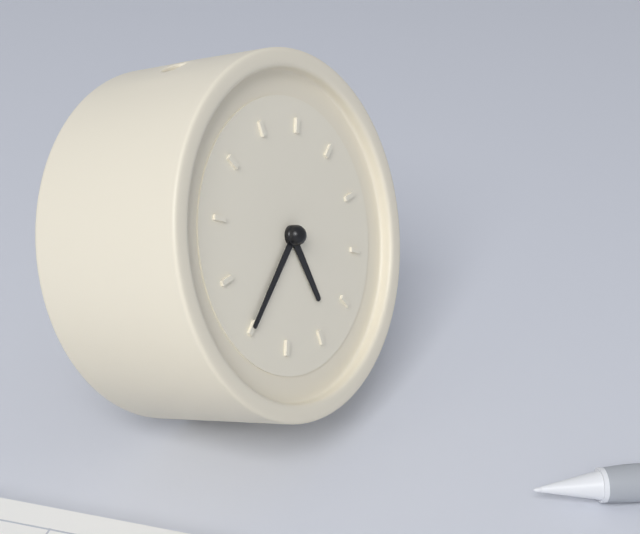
{"hour": 5, "minute": 40}
